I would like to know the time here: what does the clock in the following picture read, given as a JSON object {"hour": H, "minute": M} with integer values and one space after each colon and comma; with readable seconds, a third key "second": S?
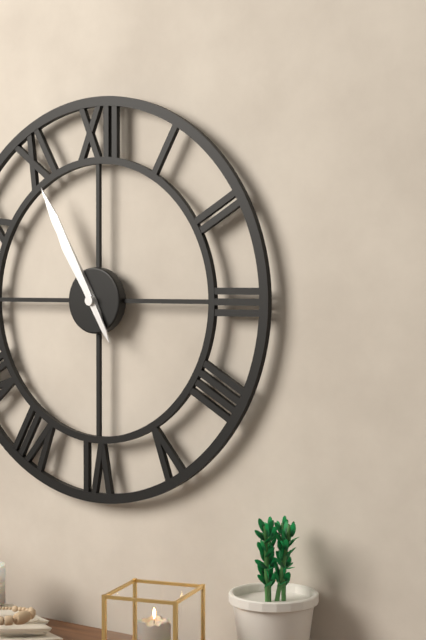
{"hour": 10, "minute": 55}
